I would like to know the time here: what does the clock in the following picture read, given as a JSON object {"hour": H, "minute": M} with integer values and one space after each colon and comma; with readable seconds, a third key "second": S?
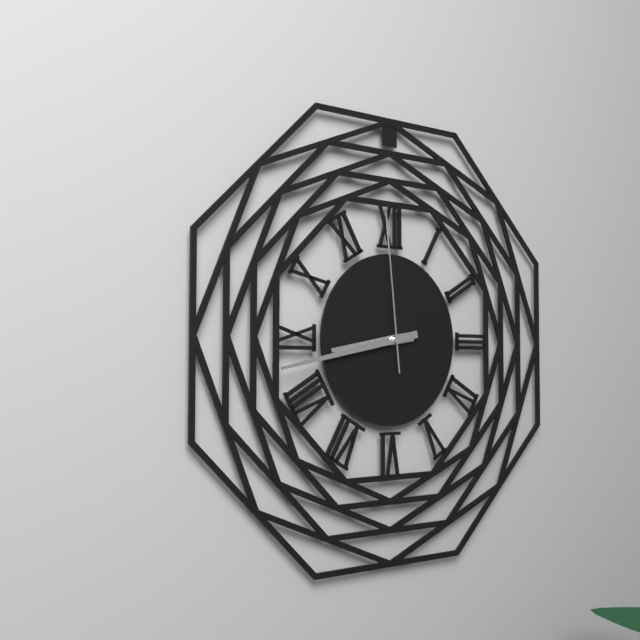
{"hour": 8, "minute": 43, "second": 59}
